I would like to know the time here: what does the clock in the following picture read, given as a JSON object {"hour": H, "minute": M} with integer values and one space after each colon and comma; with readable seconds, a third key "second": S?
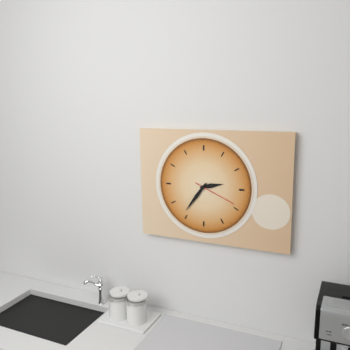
{"hour": 2, "minute": 36}
